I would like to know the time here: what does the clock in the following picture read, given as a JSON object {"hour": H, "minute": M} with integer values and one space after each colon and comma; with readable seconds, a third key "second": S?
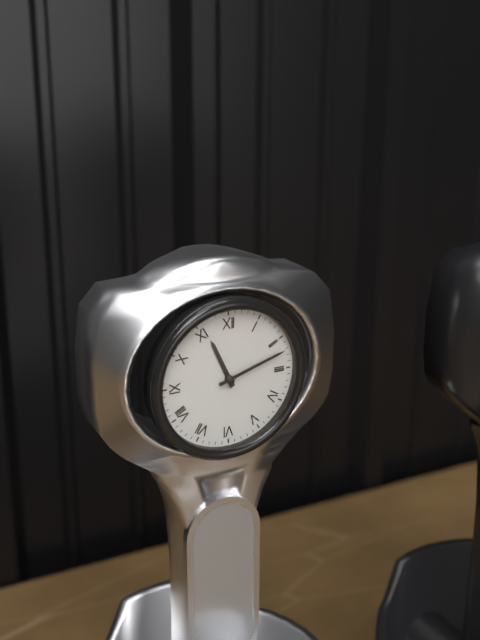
{"hour": 11, "minute": 12}
